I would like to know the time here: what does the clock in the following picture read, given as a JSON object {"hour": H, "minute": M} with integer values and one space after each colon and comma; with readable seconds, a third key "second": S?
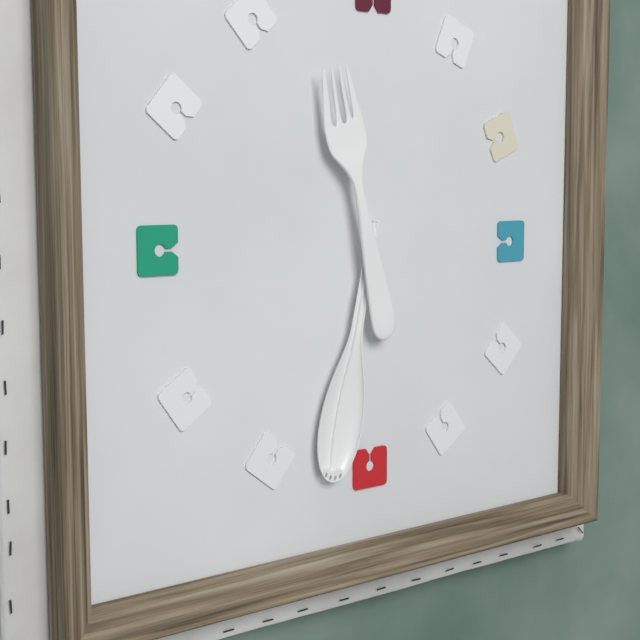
{"hour": 11, "minute": 32}
